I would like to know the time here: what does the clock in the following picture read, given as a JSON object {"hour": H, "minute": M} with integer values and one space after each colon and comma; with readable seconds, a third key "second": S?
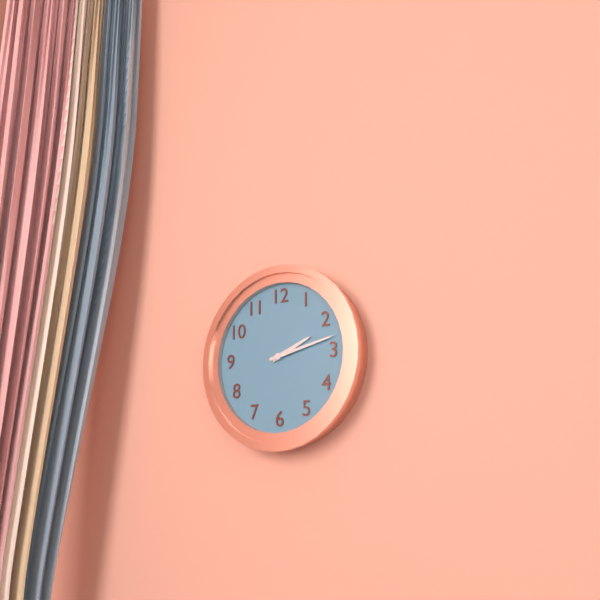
{"hour": 2, "minute": 13}
